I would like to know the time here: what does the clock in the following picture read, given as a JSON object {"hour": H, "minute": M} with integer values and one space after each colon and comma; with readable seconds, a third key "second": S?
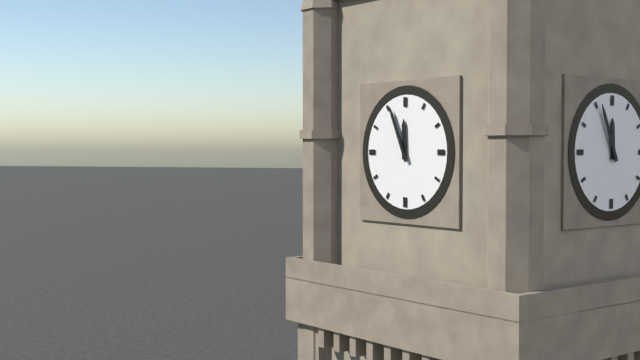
{"hour": 11, "minute": 56}
